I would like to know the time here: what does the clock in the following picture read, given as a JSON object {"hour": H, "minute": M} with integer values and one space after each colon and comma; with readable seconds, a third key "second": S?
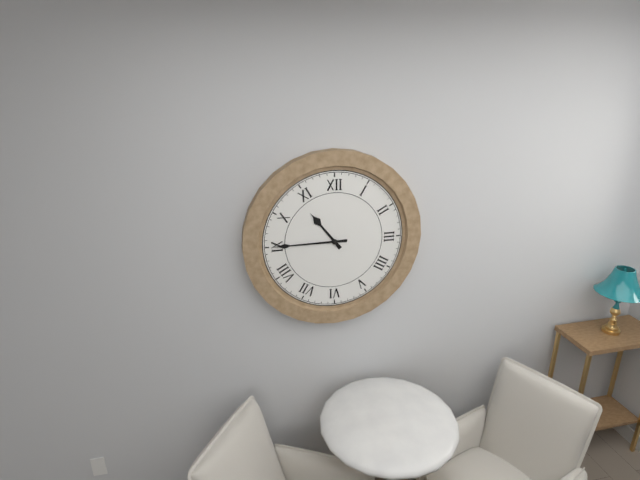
{"hour": 10, "minute": 45}
